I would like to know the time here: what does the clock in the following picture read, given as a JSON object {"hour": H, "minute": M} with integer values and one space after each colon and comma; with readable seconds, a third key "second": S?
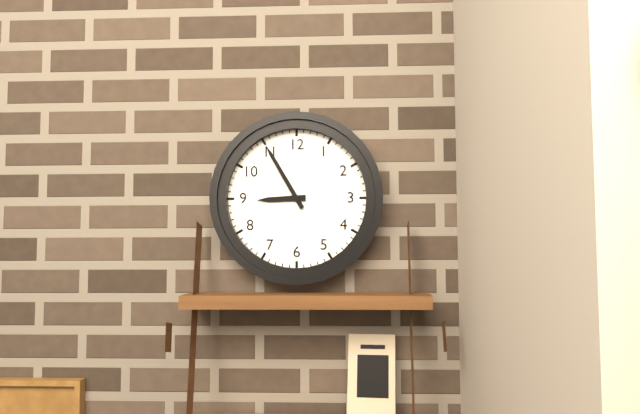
{"hour": 8, "minute": 55}
